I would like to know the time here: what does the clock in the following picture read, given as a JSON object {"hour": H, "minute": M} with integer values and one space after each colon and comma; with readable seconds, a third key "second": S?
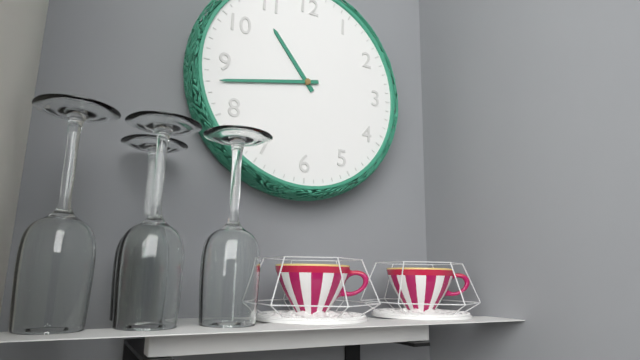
{"hour": 10, "minute": 43}
